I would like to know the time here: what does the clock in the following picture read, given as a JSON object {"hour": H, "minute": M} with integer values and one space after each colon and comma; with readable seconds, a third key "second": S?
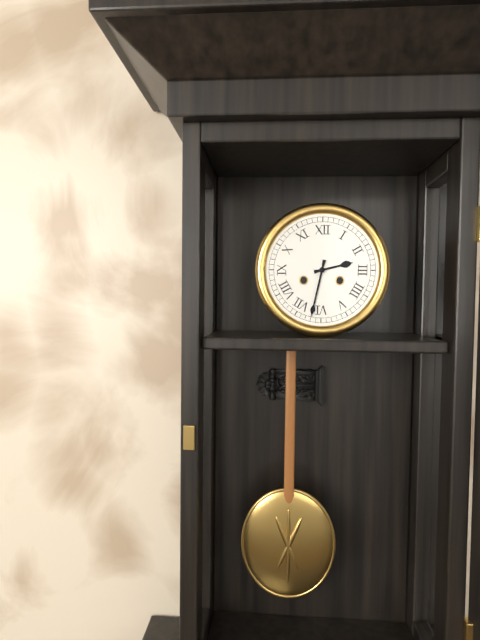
{"hour": 2, "minute": 32}
